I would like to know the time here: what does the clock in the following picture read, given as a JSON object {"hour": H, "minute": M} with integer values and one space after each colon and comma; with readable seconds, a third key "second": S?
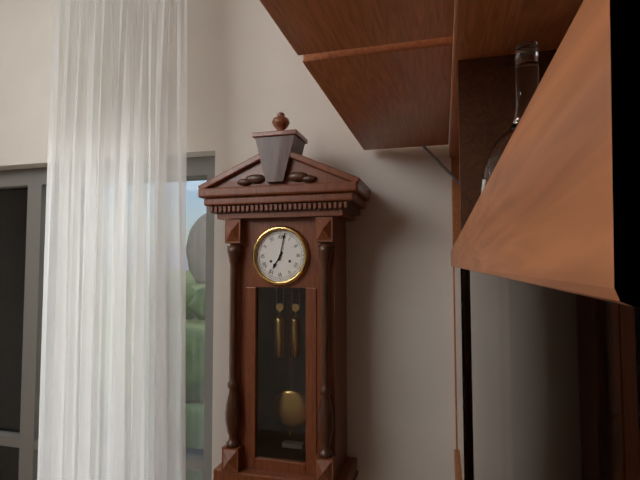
{"hour": 7, "minute": 2}
